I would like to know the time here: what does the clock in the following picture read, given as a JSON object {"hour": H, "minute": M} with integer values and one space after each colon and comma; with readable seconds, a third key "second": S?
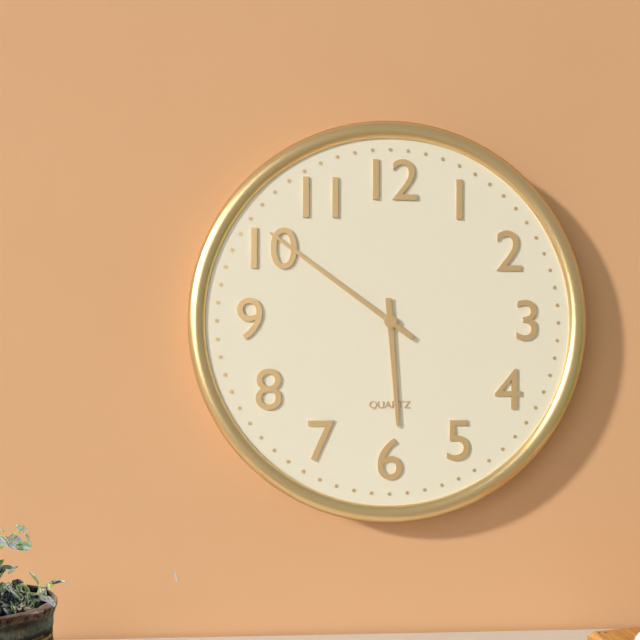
{"hour": 5, "minute": 51}
